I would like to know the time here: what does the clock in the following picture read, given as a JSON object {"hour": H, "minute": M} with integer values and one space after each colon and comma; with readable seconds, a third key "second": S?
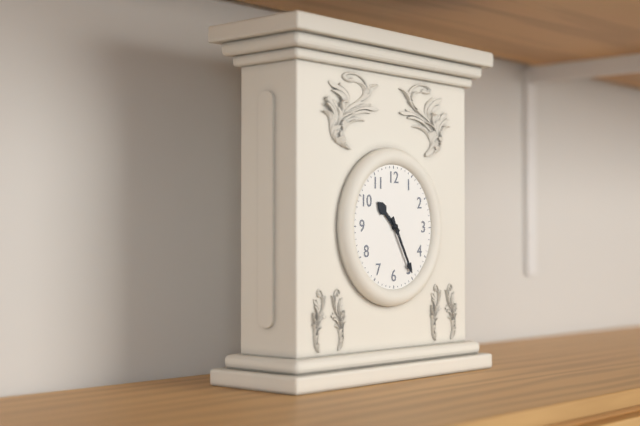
{"hour": 10, "minute": 25}
